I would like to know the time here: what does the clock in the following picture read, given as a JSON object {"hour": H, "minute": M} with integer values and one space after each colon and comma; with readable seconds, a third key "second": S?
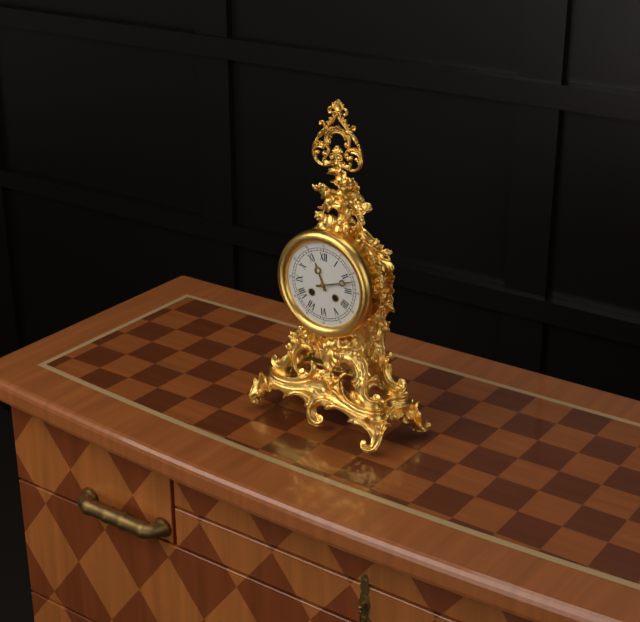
{"hour": 11, "minute": 12}
